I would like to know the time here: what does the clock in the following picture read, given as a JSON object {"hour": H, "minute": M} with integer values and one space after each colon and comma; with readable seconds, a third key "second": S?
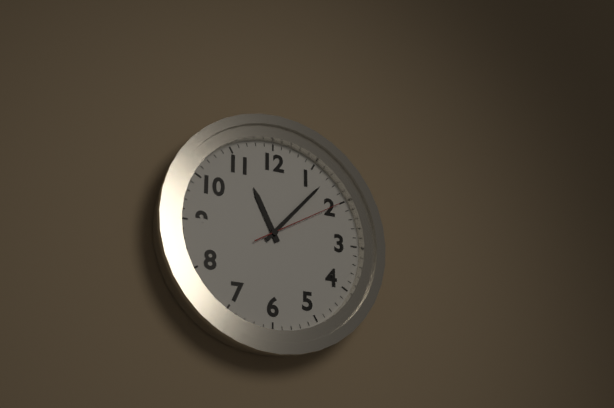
{"hour": 11, "minute": 7, "second": 10}
